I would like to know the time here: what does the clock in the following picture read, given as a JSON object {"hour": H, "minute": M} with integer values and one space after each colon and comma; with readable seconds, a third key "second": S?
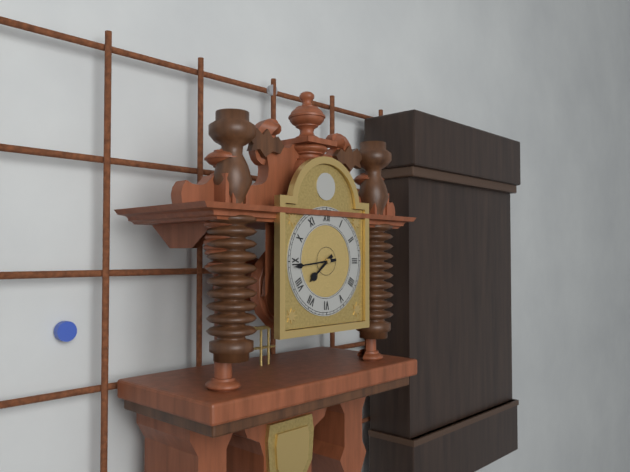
{"hour": 7, "minute": 44}
